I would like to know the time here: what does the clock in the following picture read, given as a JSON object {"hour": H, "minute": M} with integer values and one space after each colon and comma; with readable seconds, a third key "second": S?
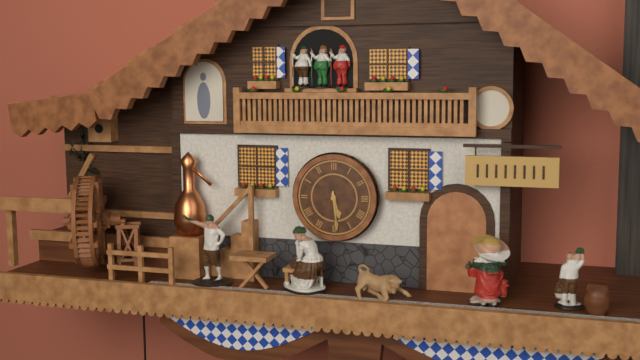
{"hour": 5, "minute": 29}
